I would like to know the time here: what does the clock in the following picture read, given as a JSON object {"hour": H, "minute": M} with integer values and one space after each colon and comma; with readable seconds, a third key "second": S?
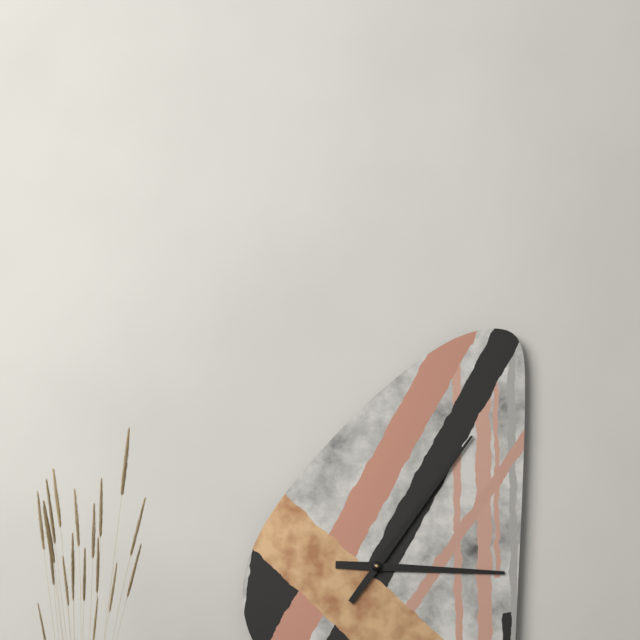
{"hour": 3, "minute": 6}
